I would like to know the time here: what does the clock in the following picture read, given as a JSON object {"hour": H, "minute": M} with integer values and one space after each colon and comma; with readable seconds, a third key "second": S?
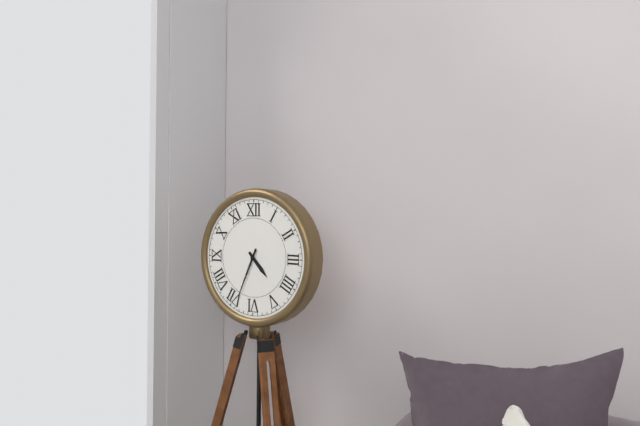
{"hour": 4, "minute": 34}
